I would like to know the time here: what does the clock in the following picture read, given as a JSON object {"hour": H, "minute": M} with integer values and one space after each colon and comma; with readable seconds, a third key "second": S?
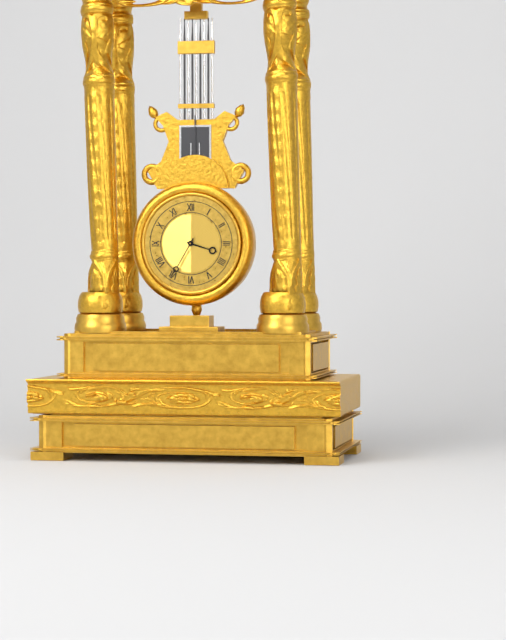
{"hour": 3, "minute": 35}
